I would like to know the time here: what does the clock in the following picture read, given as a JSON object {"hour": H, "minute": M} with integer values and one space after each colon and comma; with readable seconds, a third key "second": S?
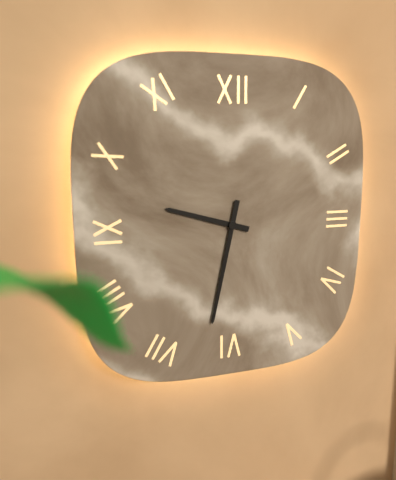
{"hour": 9, "minute": 32}
